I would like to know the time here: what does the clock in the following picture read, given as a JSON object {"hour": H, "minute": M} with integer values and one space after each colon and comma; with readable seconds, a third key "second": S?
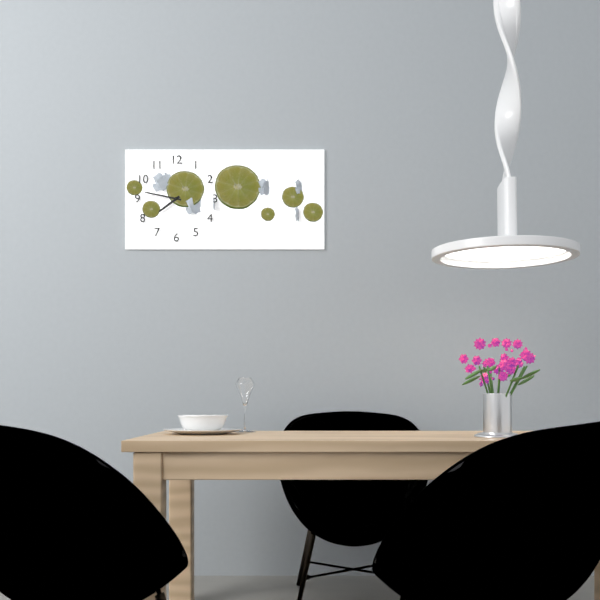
{"hour": 7, "minute": 47}
